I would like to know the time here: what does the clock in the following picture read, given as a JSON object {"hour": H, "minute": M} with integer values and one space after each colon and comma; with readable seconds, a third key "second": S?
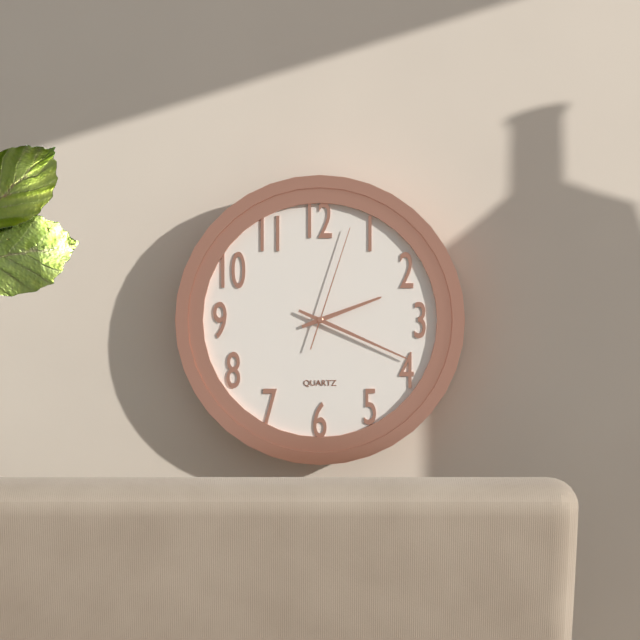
{"hour": 2, "minute": 19, "second": 3}
